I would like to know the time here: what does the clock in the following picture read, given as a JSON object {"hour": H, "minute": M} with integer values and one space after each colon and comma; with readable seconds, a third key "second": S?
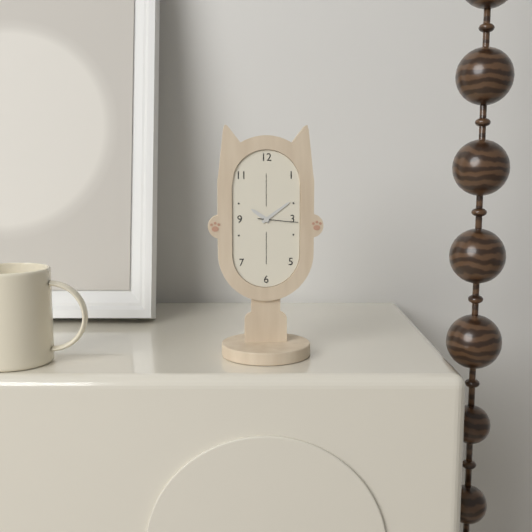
{"hour": 10, "minute": 9}
